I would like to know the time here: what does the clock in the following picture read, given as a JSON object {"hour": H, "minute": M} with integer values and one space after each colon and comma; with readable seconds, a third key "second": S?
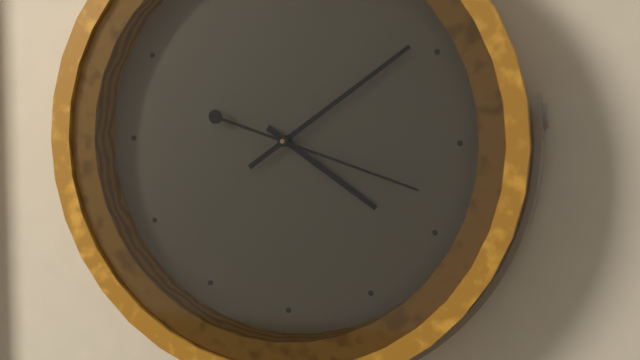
{"hour": 4, "minute": 9, "second": 18}
